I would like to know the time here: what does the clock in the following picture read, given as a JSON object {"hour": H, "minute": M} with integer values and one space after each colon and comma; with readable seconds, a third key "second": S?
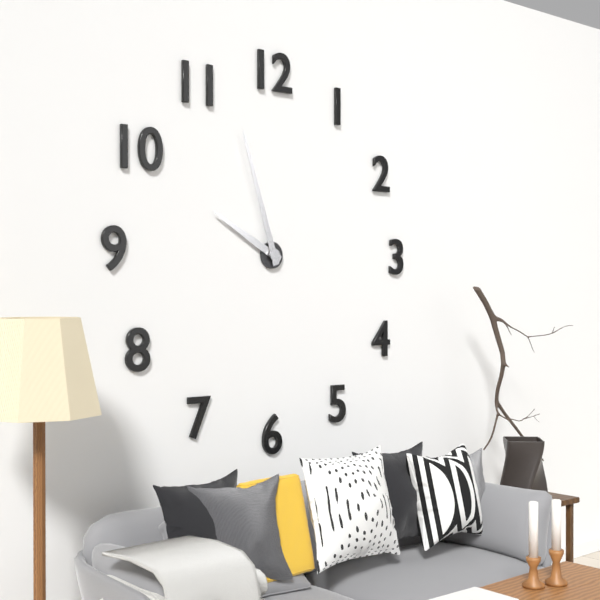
{"hour": 9, "minute": 57}
